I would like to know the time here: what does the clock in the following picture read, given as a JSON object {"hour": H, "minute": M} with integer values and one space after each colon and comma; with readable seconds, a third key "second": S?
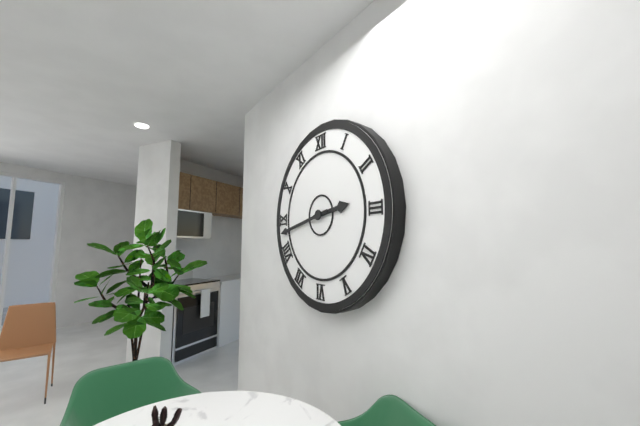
{"hour": 2, "minute": 43}
